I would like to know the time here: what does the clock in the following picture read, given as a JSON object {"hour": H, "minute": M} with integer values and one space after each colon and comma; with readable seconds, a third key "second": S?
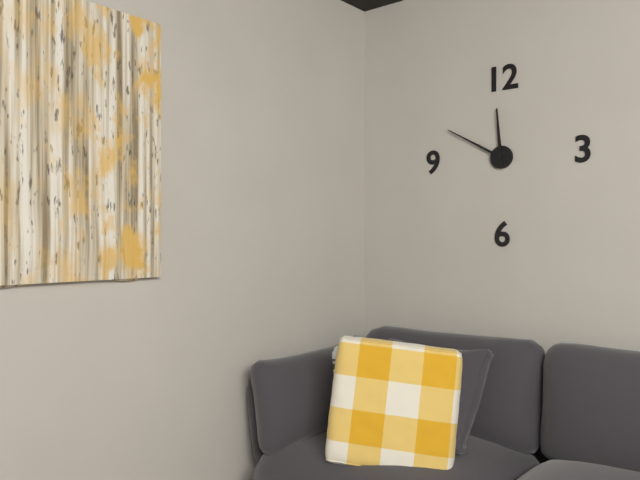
{"hour": 11, "minute": 50}
